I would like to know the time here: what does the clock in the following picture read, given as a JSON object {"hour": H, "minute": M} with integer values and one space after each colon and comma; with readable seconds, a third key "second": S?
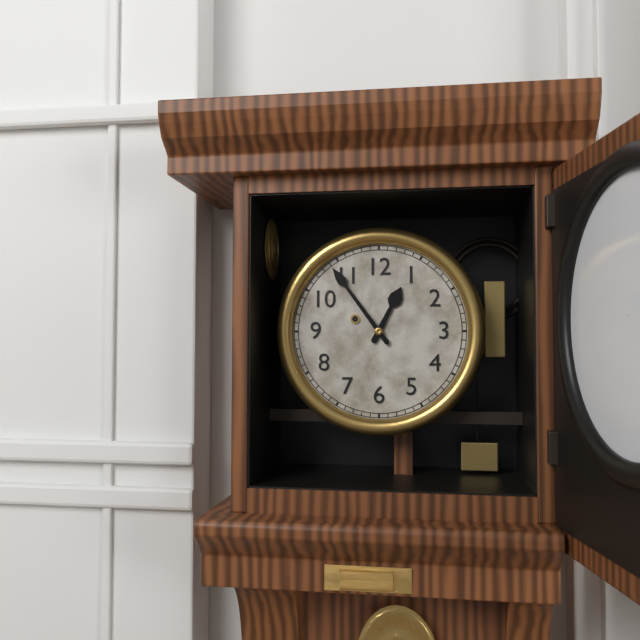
{"hour": 12, "minute": 54}
